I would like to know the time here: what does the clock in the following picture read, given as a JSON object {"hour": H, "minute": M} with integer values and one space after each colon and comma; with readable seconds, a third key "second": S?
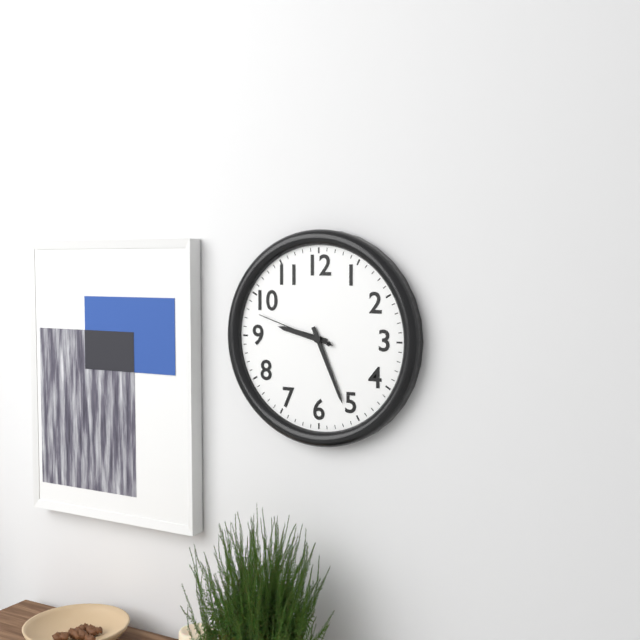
{"hour": 9, "minute": 26, "second": 48}
